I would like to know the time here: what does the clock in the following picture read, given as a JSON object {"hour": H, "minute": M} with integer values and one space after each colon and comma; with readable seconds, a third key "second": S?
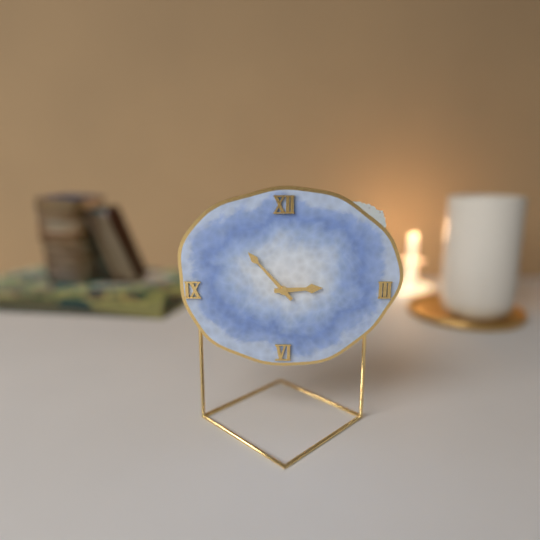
{"hour": 2, "minute": 53}
